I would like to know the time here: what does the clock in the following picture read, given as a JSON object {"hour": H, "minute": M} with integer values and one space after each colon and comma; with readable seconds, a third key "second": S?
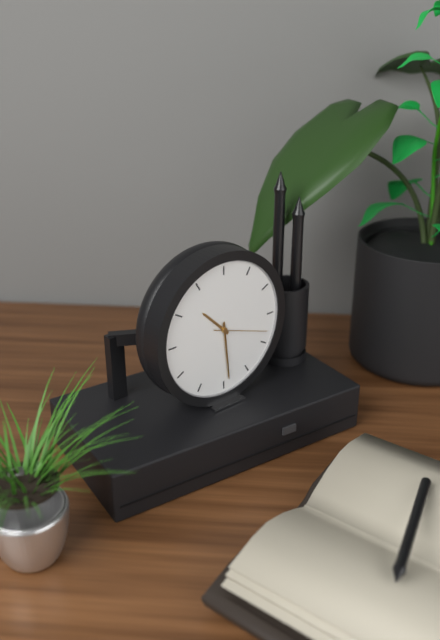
{"hour": 10, "minute": 29, "second": 18}
